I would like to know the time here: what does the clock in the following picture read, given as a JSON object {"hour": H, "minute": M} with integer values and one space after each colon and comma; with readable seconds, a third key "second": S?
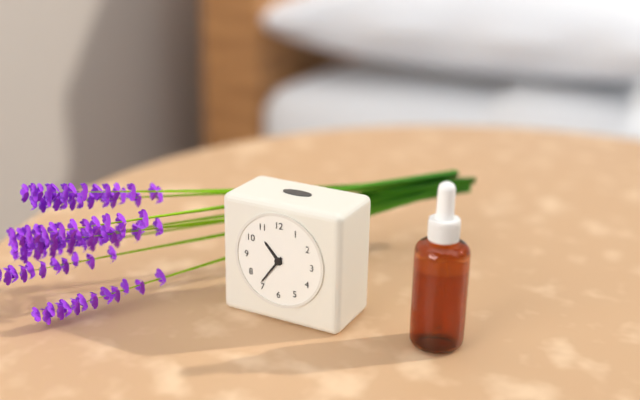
{"hour": 10, "minute": 36}
